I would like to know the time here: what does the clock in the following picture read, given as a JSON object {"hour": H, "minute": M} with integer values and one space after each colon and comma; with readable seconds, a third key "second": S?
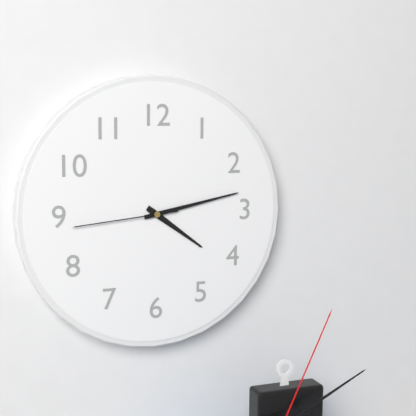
{"hour": 4, "minute": 13, "second": 44}
